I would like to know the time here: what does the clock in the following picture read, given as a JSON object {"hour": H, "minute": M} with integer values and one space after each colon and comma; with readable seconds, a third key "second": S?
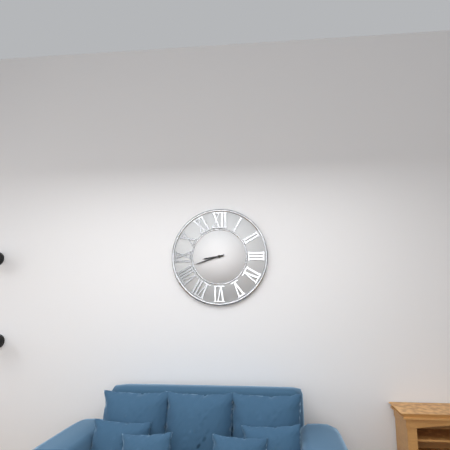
{"hour": 8, "minute": 42}
